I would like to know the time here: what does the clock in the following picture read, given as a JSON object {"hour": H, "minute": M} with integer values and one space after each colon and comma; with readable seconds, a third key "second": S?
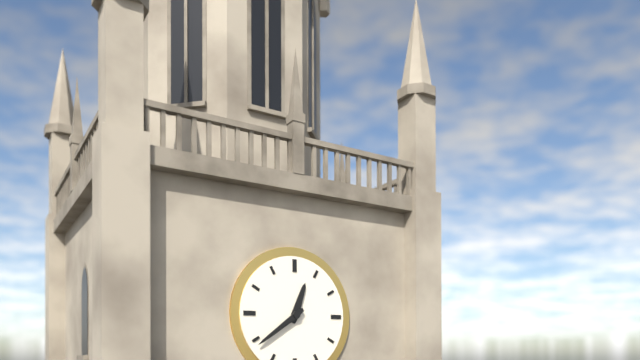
{"hour": 12, "minute": 39}
